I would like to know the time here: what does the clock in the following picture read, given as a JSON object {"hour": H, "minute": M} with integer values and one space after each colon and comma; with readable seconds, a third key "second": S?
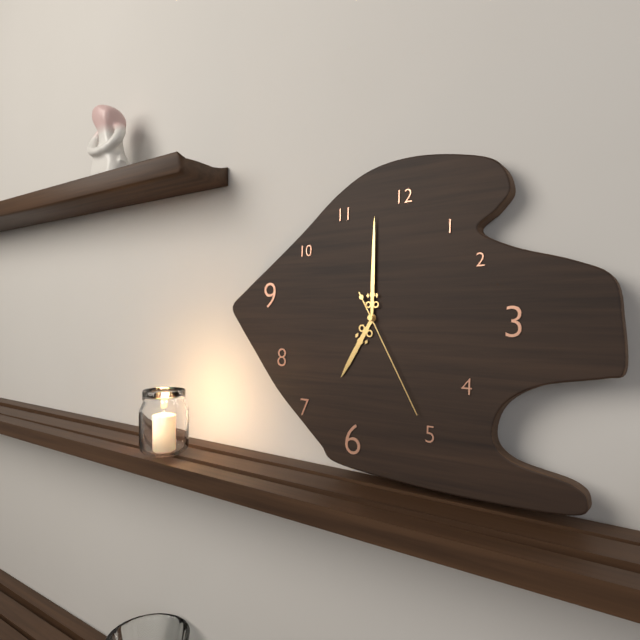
{"hour": 7, "minute": 0, "second": 25}
